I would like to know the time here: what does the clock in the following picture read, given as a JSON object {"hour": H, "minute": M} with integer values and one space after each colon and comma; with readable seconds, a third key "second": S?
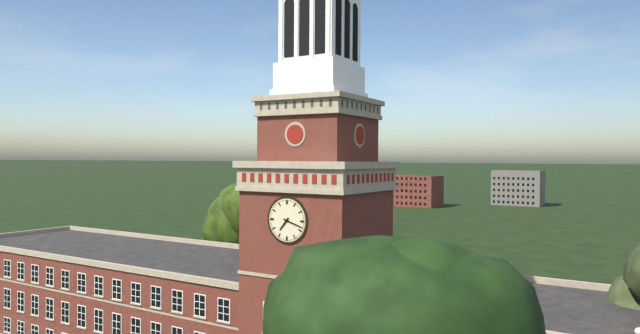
{"hour": 7, "minute": 18}
